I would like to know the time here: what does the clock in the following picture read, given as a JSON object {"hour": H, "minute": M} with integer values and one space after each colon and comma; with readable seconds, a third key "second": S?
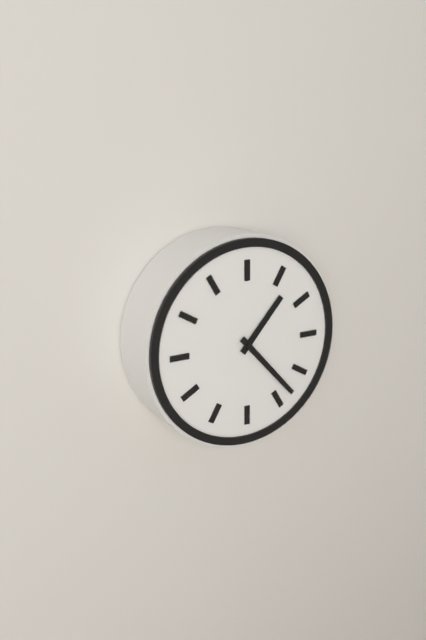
{"hour": 1, "minute": 23}
